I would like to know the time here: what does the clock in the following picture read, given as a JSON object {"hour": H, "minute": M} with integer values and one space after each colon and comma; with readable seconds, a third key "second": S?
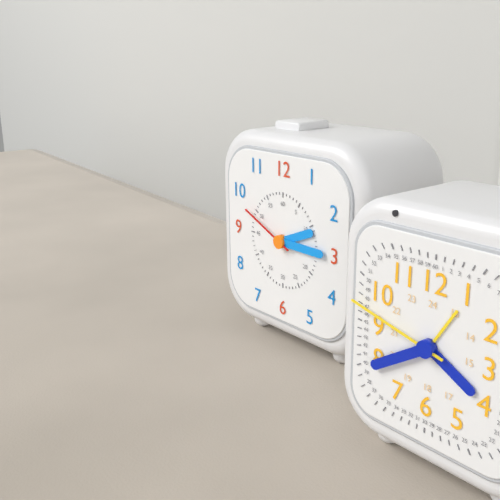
{"hour": 2, "minute": 15, "second": 49}
